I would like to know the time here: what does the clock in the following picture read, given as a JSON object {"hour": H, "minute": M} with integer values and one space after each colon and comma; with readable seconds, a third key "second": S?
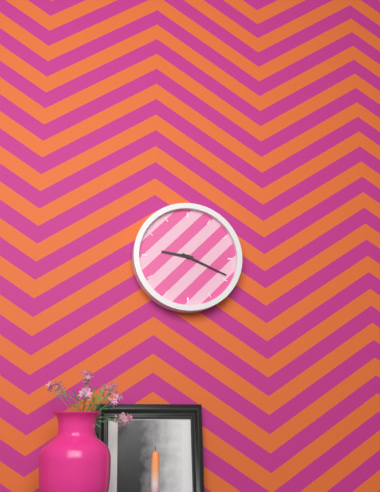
{"hour": 9, "minute": 19}
